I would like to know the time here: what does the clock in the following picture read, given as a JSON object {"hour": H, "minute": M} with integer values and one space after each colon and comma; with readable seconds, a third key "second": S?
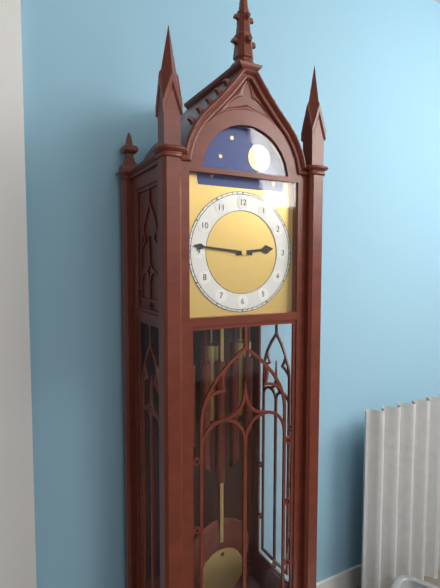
{"hour": 2, "minute": 46}
